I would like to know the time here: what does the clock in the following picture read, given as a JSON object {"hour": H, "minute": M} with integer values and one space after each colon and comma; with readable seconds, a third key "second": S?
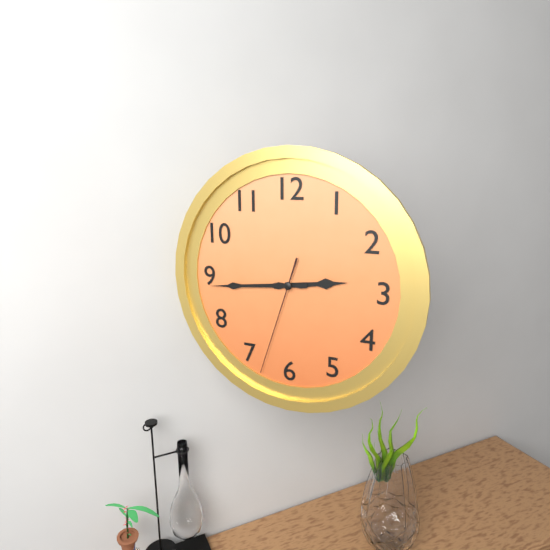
{"hour": 2, "minute": 44, "second": 33}
